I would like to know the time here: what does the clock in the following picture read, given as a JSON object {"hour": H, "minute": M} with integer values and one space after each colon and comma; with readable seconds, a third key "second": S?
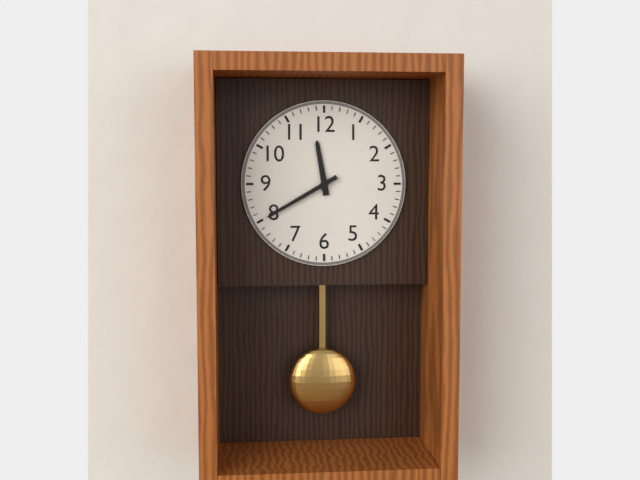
{"hour": 11, "minute": 40}
